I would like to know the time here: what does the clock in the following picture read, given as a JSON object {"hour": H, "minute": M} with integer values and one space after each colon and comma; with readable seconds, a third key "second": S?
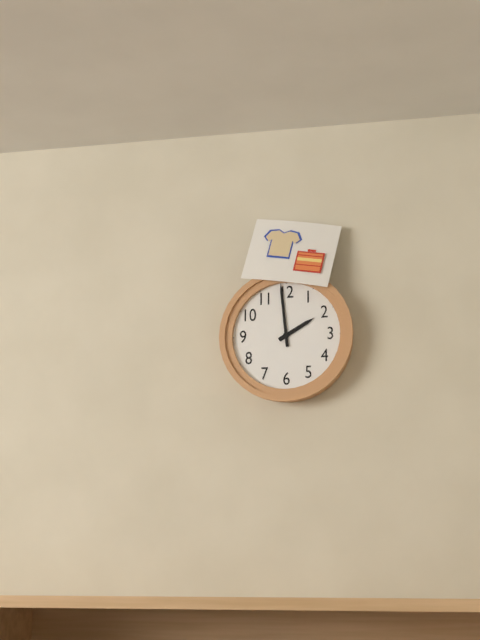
{"hour": 1, "minute": 59}
